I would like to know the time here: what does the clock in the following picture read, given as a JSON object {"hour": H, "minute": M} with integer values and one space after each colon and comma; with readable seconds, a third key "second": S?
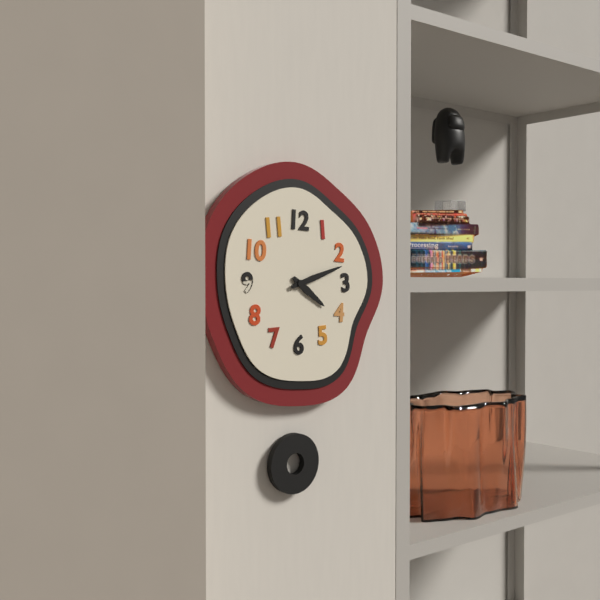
{"hour": 4, "minute": 12}
